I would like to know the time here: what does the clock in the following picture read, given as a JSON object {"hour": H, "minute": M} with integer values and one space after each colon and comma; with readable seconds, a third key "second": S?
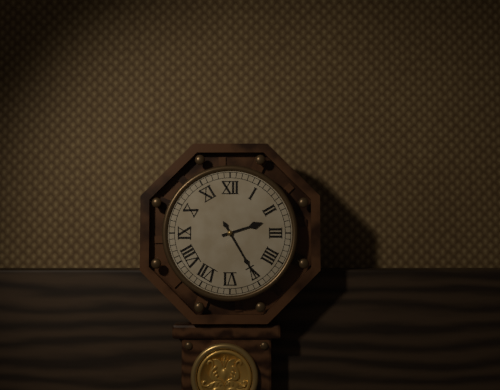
{"hour": 2, "minute": 25}
